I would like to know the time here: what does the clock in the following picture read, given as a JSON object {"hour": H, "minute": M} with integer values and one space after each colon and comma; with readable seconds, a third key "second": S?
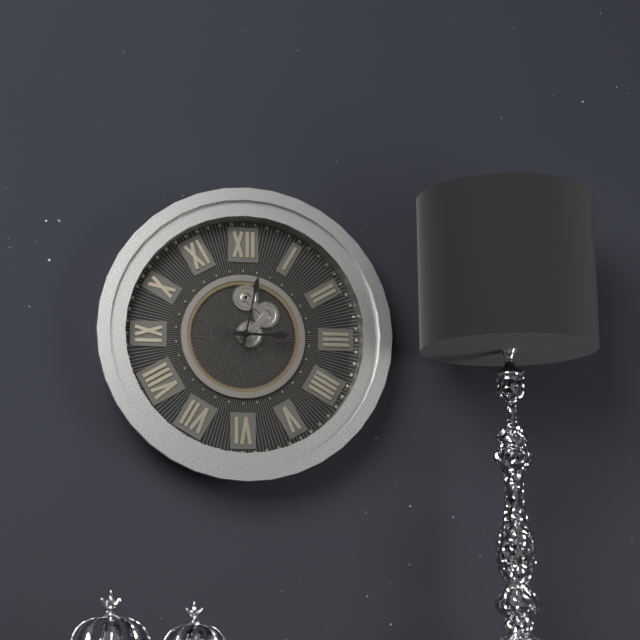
{"hour": 3, "minute": 2}
